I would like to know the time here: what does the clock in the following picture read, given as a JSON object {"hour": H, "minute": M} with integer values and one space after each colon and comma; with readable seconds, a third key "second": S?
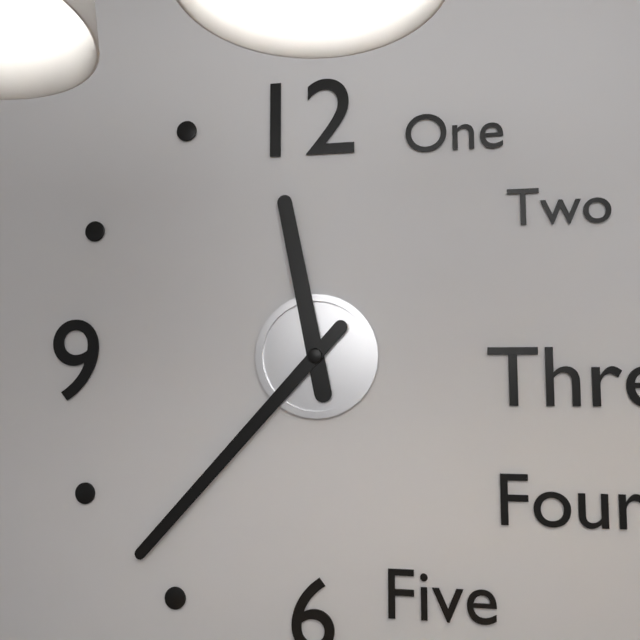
{"hour": 11, "minute": 37}
